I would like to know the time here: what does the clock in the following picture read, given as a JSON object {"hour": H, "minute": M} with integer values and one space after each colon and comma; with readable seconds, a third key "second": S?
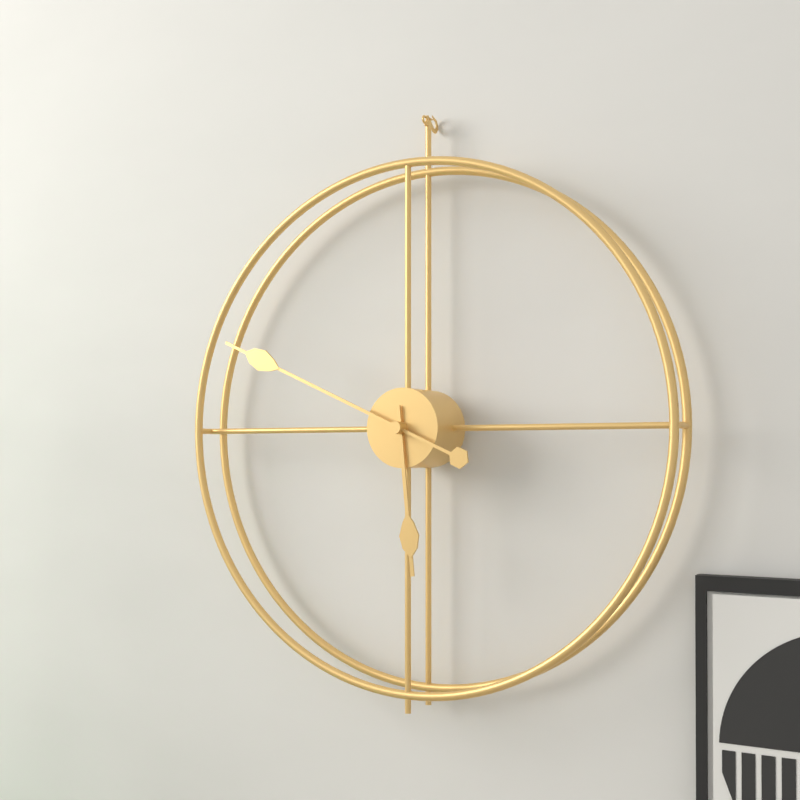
{"hour": 5, "minute": 49}
